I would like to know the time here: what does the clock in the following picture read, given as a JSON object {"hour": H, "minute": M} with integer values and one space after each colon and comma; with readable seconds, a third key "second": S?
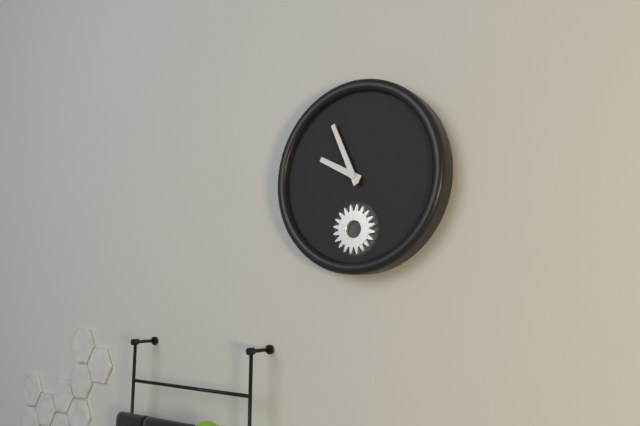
{"hour": 9, "minute": 56}
